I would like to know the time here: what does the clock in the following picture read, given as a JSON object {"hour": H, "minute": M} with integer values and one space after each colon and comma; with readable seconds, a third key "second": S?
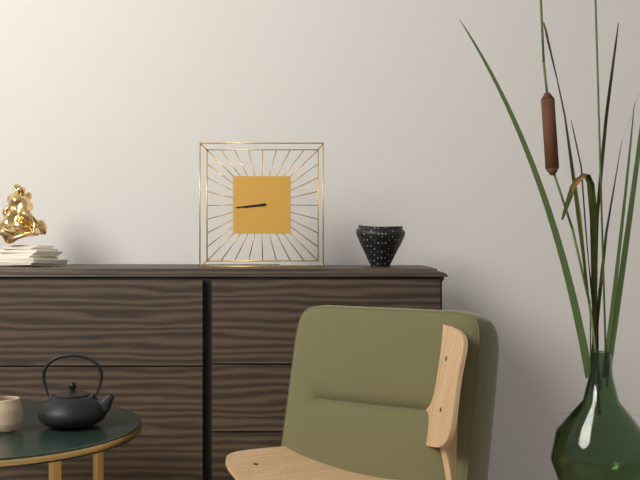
{"hour": 8, "minute": 44}
